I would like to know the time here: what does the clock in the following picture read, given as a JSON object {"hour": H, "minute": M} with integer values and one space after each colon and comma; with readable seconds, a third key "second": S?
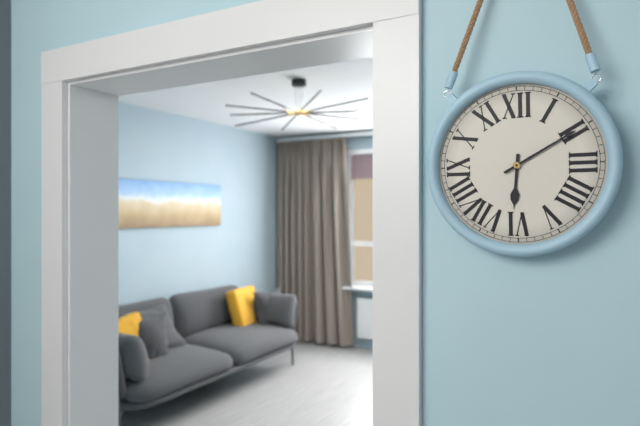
{"hour": 6, "minute": 10}
